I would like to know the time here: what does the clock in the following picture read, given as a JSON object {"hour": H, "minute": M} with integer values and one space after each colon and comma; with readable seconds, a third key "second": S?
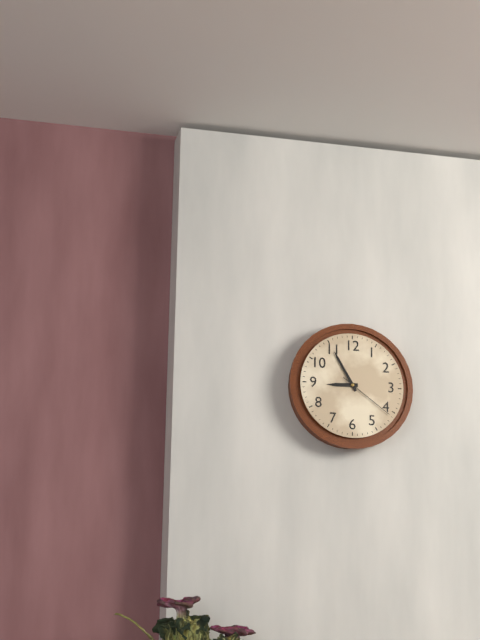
{"hour": 8, "minute": 55, "second": 21}
